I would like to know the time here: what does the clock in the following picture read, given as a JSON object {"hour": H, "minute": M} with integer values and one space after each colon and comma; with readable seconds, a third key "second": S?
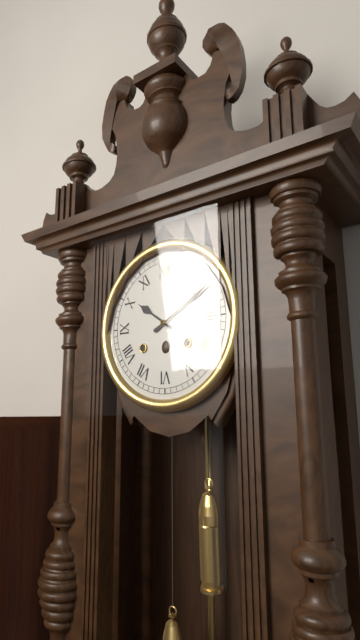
{"hour": 10, "minute": 10}
